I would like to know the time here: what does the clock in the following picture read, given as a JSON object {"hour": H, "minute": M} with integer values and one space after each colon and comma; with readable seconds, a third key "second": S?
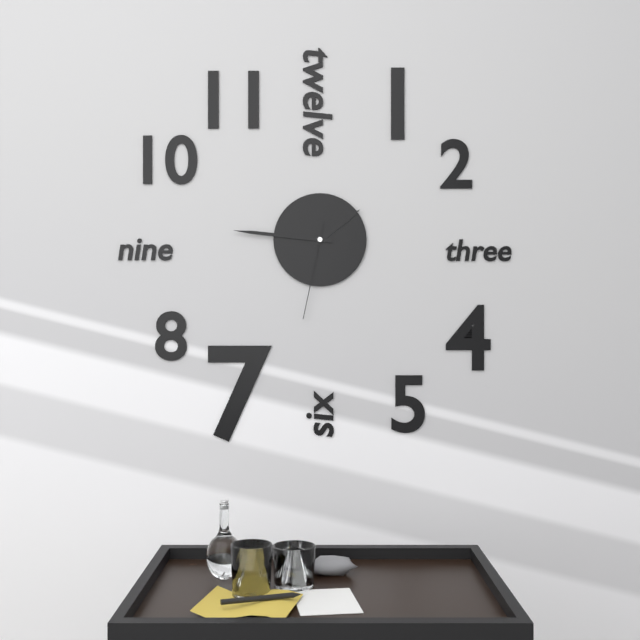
{"hour": 1, "minute": 46, "second": 32}
